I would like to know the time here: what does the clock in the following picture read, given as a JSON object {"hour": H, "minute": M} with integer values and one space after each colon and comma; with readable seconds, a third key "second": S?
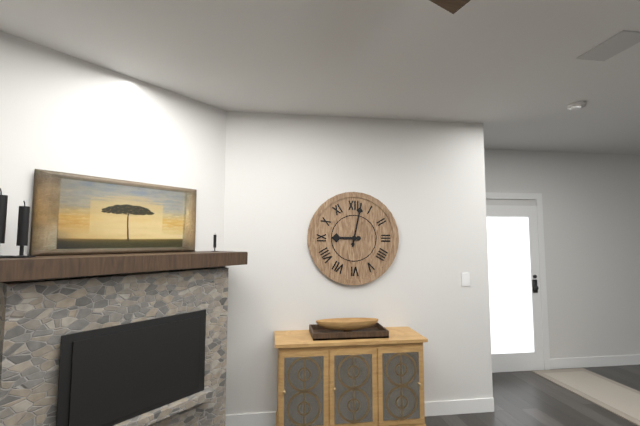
{"hour": 9, "minute": 2}
